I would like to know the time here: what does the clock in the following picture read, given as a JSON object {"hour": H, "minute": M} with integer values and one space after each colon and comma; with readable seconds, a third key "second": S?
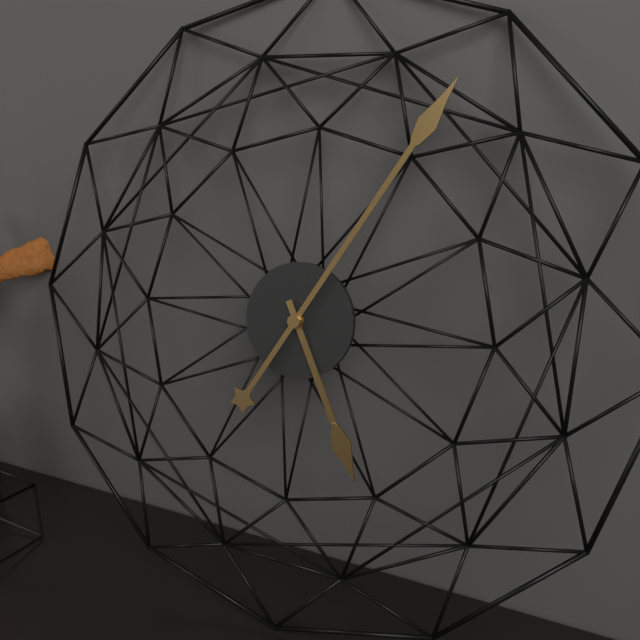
{"hour": 5, "minute": 5}
